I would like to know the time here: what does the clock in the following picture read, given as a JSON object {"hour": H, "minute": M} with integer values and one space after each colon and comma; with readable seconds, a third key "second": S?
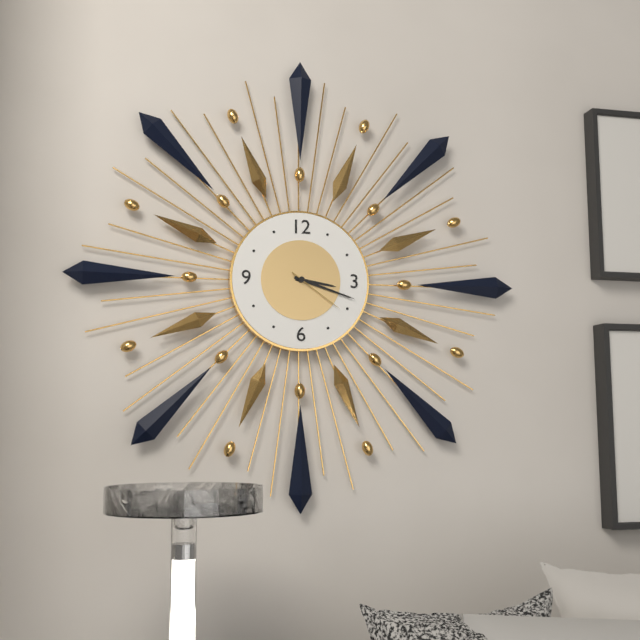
{"hour": 3, "minute": 18, "second": 21}
